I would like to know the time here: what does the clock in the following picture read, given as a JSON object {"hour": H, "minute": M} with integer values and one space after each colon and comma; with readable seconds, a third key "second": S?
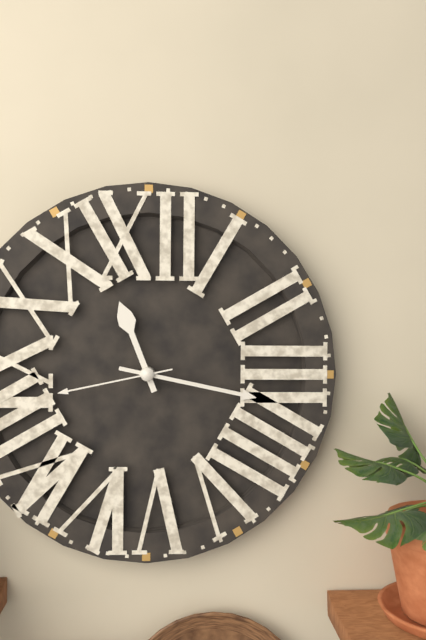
{"hour": 11, "minute": 17, "second": 43}
